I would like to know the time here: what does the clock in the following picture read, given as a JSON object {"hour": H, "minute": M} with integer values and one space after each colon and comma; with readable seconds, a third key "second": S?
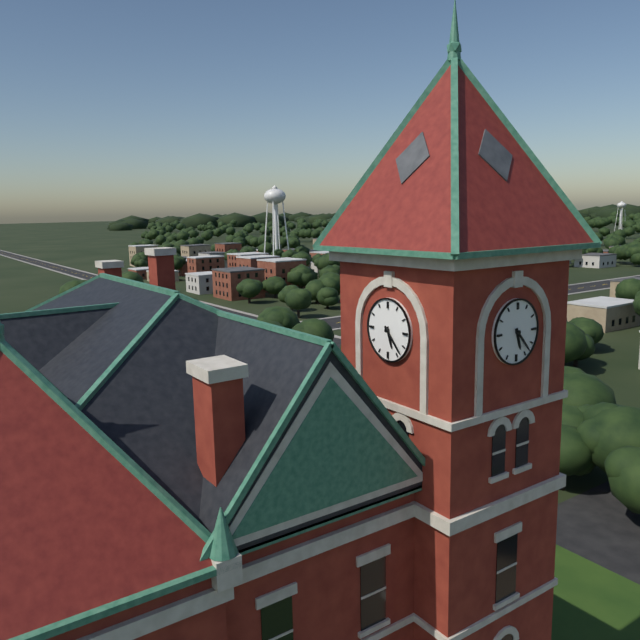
{"hour": 5, "minute": 23}
